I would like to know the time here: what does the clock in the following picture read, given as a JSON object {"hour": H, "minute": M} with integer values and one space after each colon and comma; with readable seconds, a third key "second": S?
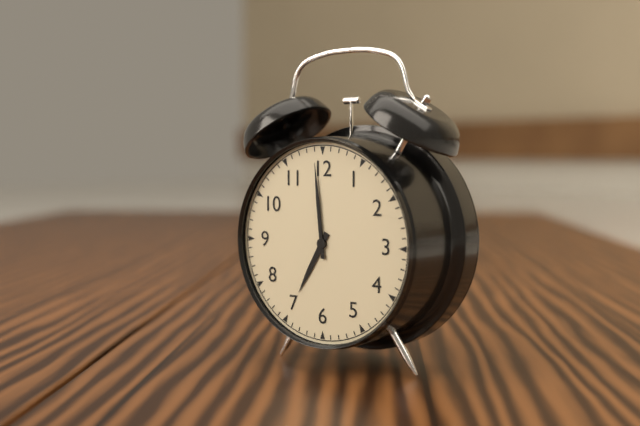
{"hour": 6, "minute": 59}
